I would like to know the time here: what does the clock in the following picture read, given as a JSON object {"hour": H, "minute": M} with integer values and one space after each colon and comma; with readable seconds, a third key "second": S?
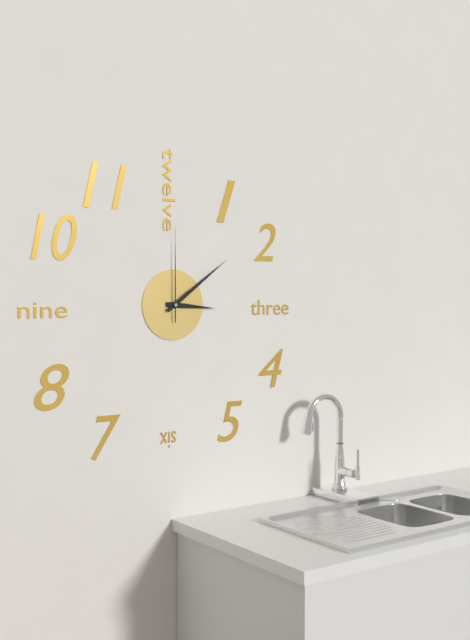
{"hour": 3, "minute": 9, "second": 0}
